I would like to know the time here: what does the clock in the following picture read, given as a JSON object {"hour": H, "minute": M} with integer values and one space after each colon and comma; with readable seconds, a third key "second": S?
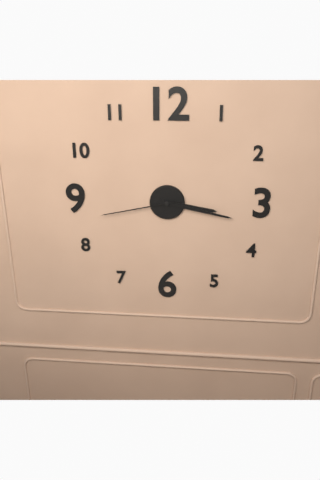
{"hour": 3, "minute": 17, "second": 43}
